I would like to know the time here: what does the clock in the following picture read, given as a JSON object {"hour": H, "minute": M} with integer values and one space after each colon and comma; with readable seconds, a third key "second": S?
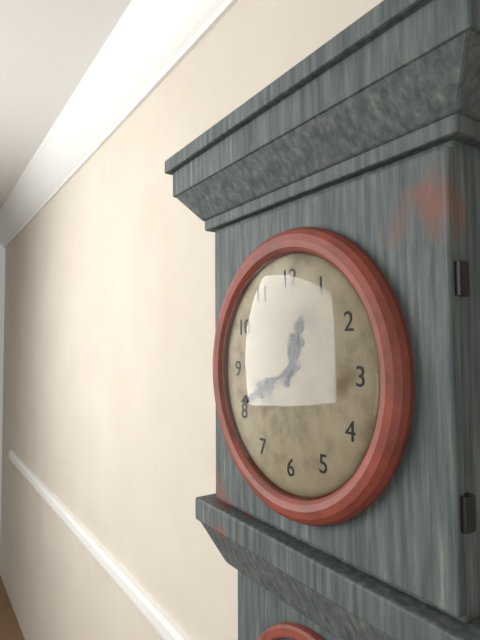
{"hour": 12, "minute": 41}
